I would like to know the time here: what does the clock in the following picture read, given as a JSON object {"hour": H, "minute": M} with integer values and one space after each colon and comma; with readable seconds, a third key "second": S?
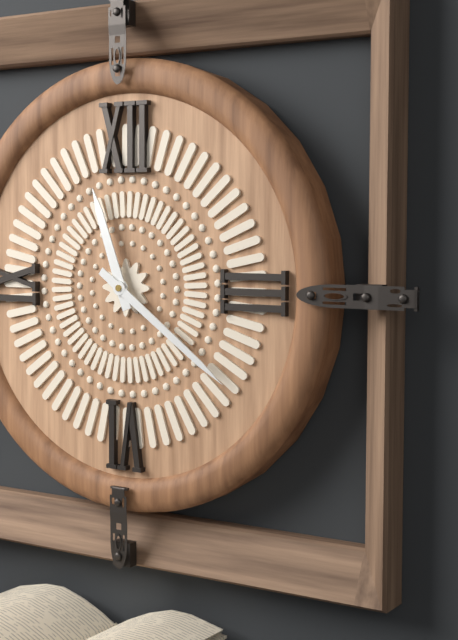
{"hour": 11, "minute": 21}
